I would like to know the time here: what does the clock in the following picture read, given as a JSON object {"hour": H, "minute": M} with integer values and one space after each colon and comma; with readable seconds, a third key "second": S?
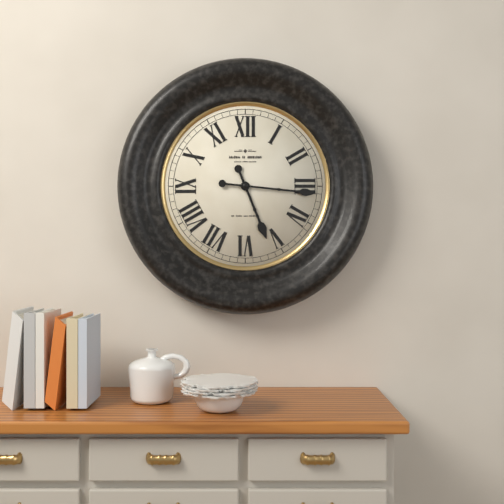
{"hour": 5, "minute": 16}
